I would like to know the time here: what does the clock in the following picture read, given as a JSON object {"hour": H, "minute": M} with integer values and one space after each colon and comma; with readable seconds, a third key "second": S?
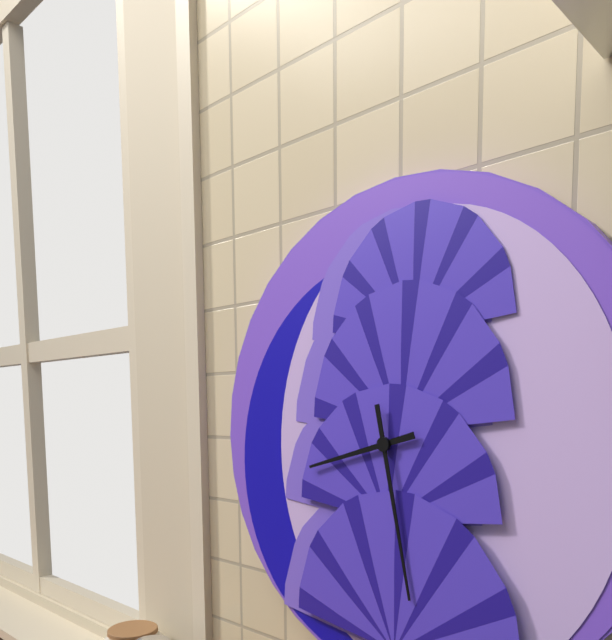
{"hour": 8, "minute": 28}
